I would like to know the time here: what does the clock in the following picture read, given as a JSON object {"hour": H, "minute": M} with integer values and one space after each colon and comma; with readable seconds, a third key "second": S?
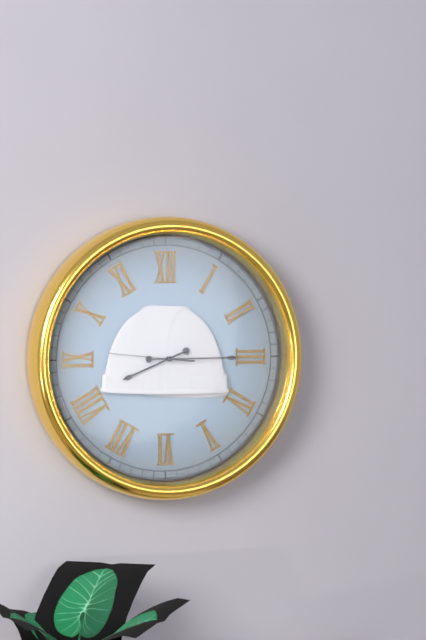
{"hour": 8, "minute": 15, "second": 46}
